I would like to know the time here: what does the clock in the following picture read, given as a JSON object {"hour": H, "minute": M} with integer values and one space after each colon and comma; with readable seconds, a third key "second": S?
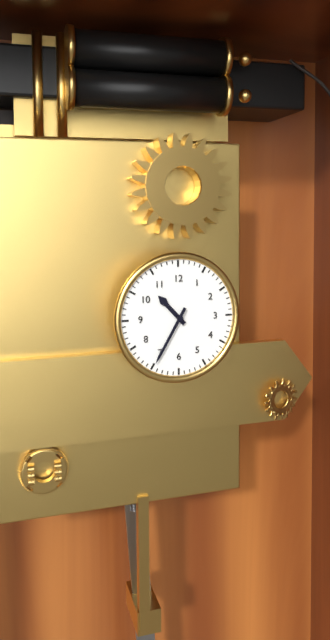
{"hour": 10, "minute": 35}
